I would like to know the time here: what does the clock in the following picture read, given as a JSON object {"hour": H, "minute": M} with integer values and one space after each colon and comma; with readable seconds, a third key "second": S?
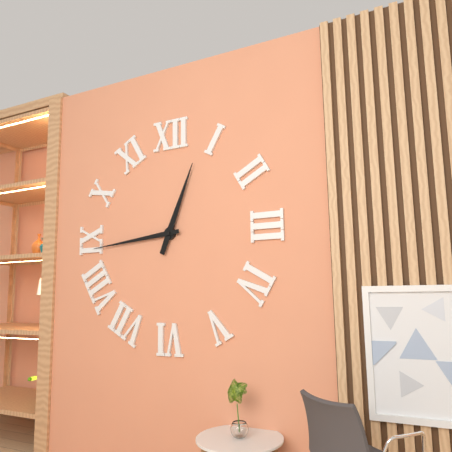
{"hour": 12, "minute": 44}
